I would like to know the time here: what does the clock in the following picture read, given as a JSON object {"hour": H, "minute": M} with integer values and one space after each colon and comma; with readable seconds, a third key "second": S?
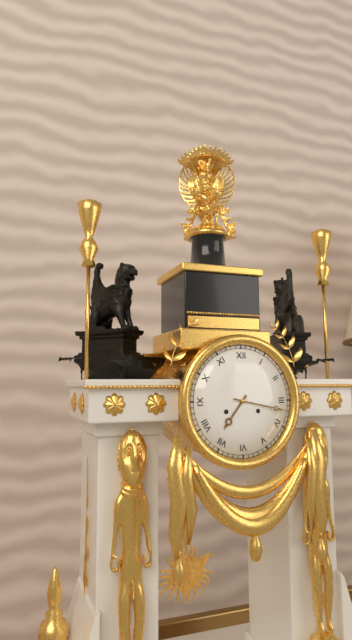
{"hour": 7, "minute": 17}
